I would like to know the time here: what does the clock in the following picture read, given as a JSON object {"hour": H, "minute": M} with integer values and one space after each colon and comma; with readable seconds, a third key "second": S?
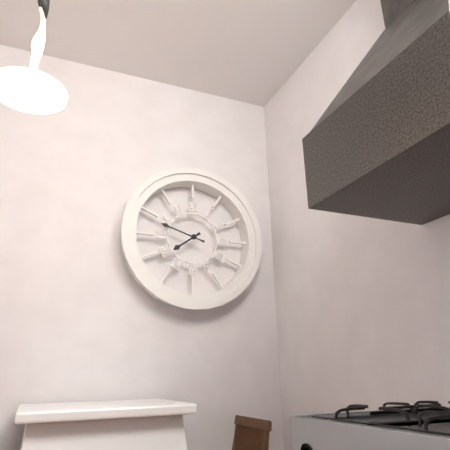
{"hour": 7, "minute": 48}
